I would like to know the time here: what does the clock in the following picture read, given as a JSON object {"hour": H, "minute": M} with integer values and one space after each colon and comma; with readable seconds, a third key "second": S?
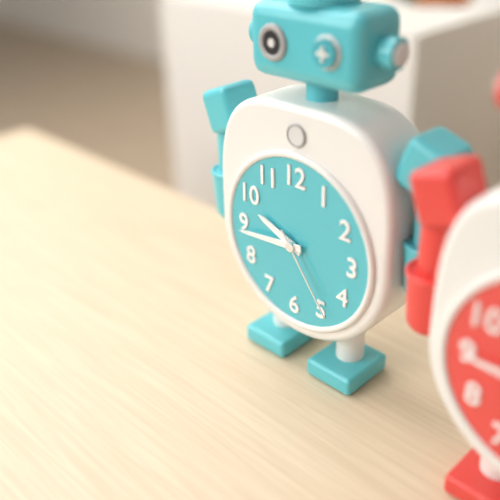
{"hour": 9, "minute": 44, "second": 24}
